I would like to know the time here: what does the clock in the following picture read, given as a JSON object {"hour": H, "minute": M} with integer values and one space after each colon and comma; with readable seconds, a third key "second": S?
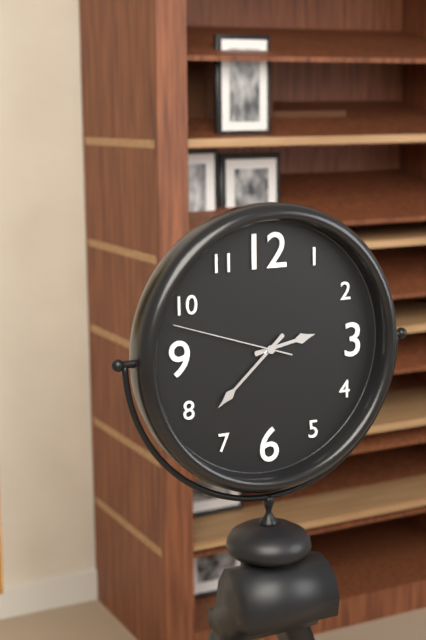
{"hour": 2, "minute": 38, "second": 48}
